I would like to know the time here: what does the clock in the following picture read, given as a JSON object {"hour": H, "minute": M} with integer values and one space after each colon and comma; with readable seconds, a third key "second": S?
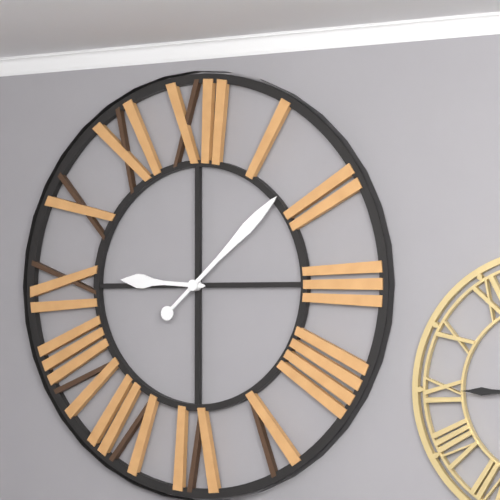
{"hour": 9, "minute": 8}
